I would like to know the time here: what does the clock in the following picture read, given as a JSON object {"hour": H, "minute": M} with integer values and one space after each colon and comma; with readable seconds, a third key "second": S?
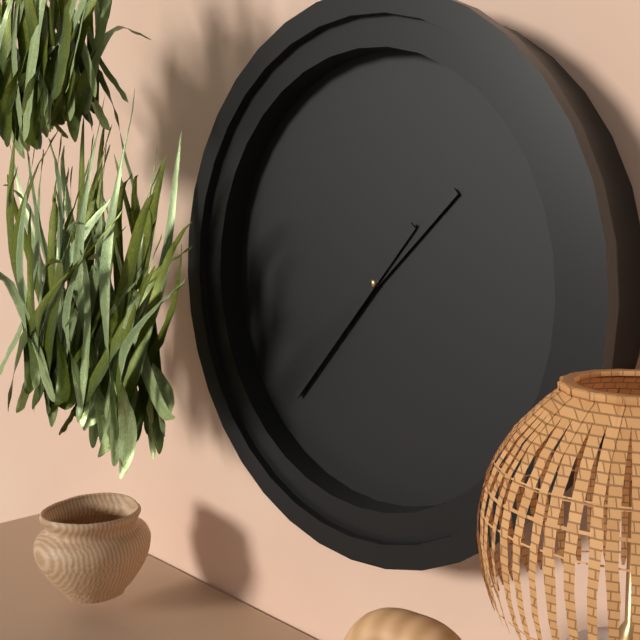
{"hour": 1, "minute": 37}
